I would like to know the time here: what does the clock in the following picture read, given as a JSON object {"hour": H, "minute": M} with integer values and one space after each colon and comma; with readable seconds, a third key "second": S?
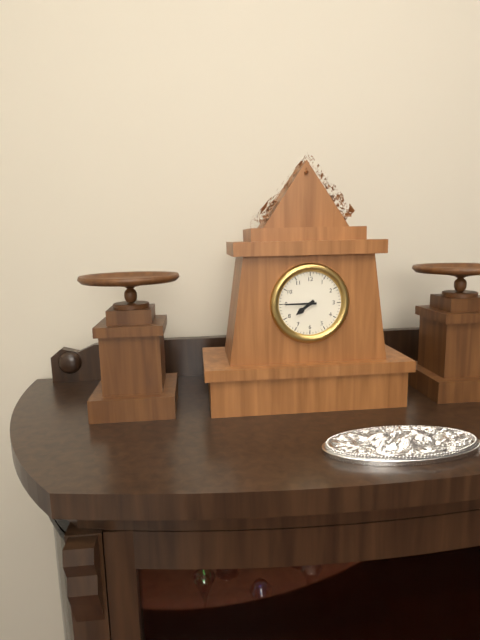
{"hour": 7, "minute": 45}
